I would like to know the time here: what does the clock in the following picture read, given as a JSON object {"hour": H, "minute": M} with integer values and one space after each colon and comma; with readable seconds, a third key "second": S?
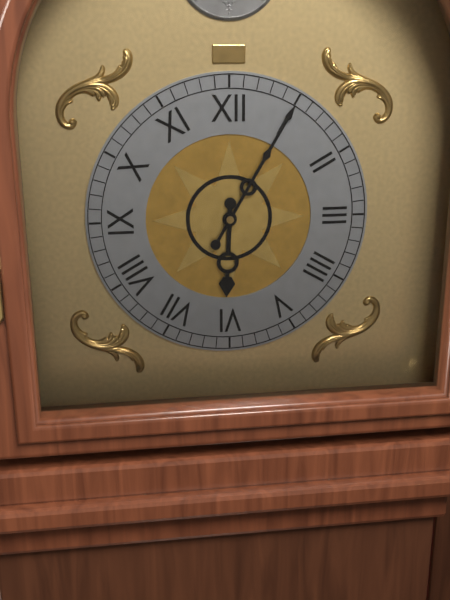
{"hour": 6, "minute": 5}
